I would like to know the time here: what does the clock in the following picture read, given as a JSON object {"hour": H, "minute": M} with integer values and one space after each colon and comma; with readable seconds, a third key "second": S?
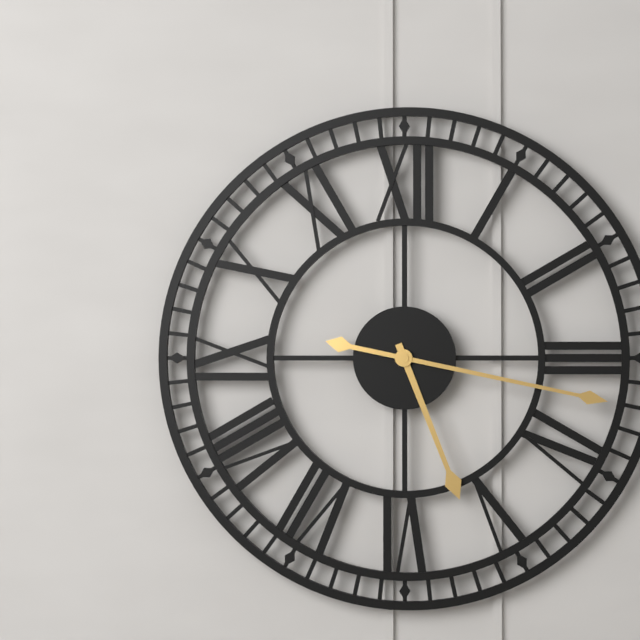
{"hour": 5, "minute": 17}
